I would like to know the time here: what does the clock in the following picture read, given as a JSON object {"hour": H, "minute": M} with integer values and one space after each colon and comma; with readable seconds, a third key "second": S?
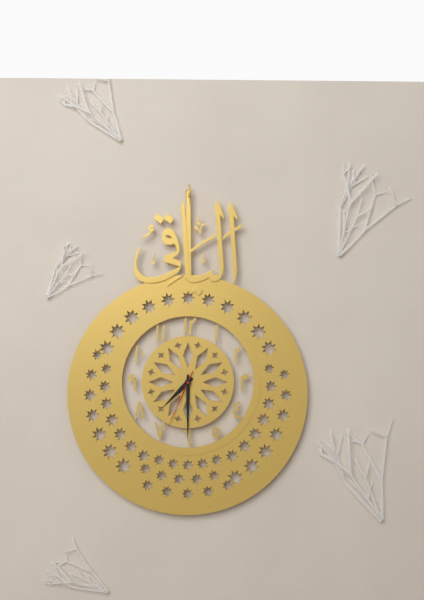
{"hour": 7, "minute": 30, "second": 34}
